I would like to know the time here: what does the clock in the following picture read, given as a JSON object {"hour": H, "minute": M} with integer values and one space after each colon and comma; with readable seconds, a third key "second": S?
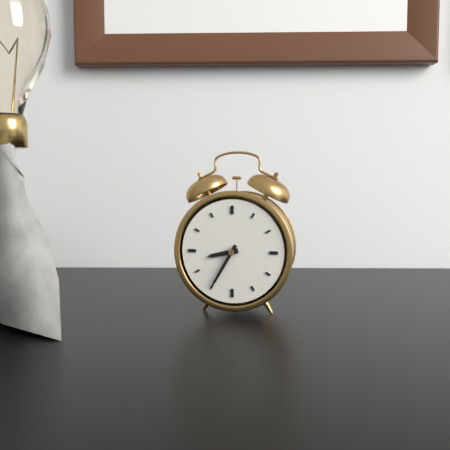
{"hour": 8, "minute": 35}
